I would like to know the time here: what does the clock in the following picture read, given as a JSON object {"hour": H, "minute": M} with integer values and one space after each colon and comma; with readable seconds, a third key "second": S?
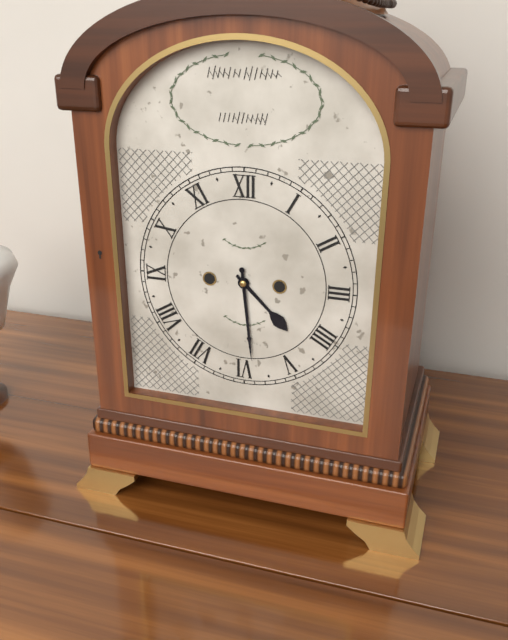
{"hour": 4, "minute": 29}
